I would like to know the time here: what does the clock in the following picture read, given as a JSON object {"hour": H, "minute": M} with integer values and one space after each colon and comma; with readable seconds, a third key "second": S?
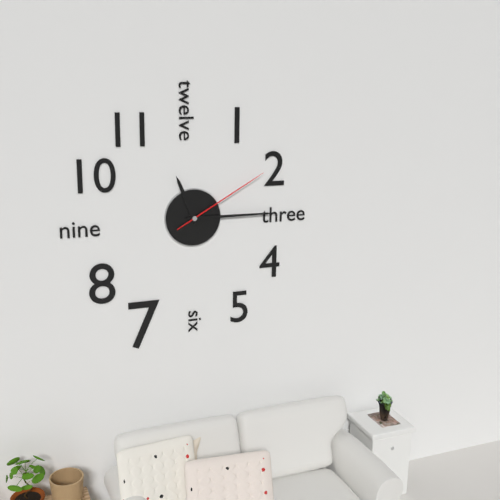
{"hour": 11, "minute": 15, "second": 10}
